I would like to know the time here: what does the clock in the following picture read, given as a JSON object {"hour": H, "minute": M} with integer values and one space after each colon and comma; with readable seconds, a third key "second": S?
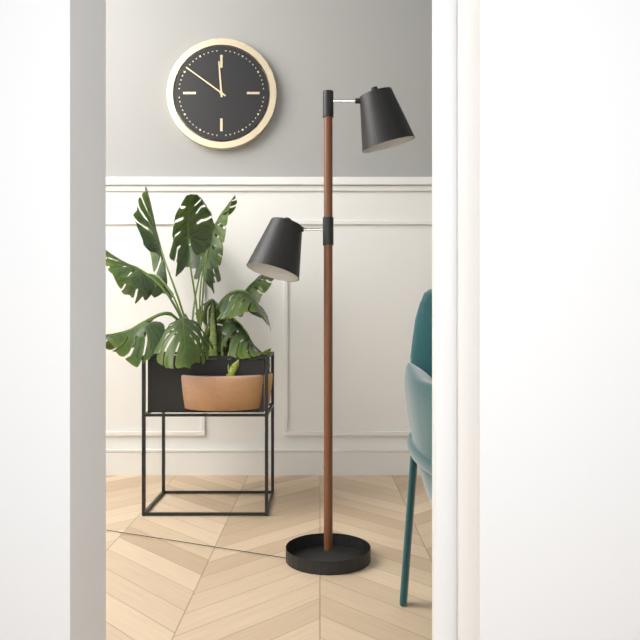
{"hour": 11, "minute": 51}
